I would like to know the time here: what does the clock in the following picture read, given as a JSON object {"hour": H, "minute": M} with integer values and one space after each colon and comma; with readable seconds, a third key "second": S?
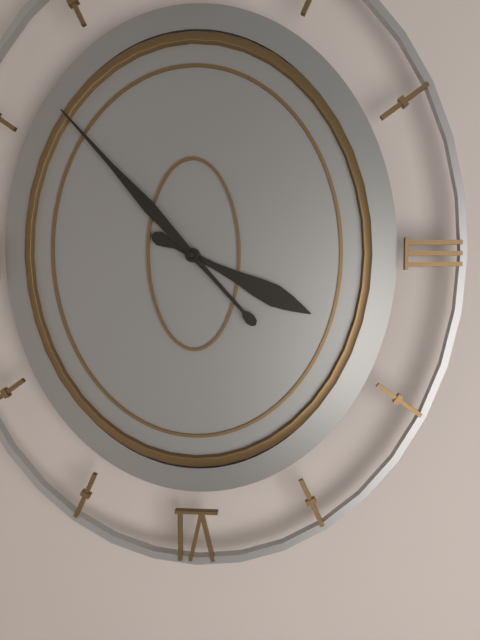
{"hour": 3, "minute": 53}
